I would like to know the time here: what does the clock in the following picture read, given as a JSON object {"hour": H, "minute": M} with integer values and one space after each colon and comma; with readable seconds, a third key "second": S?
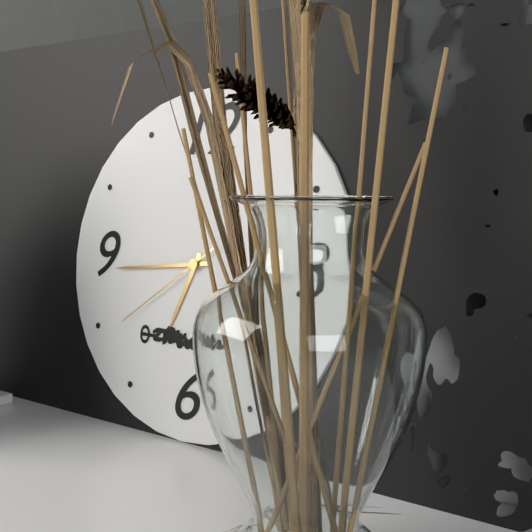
{"hour": 6, "minute": 44, "second": 39}
